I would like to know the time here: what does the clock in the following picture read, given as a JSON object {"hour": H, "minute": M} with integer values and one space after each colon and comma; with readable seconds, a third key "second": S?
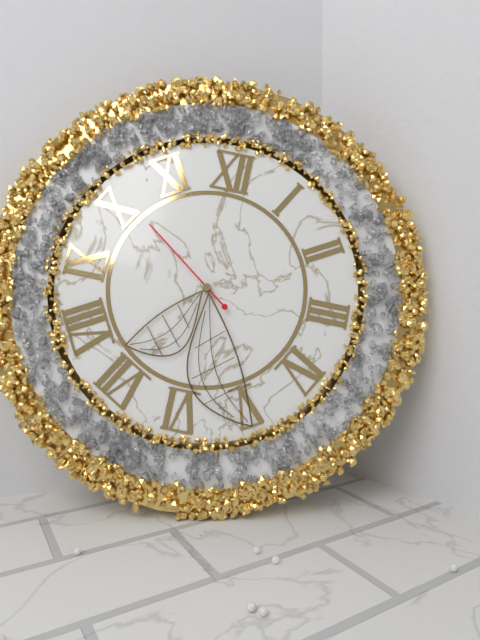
{"hour": 7, "minute": 25, "second": 51}
